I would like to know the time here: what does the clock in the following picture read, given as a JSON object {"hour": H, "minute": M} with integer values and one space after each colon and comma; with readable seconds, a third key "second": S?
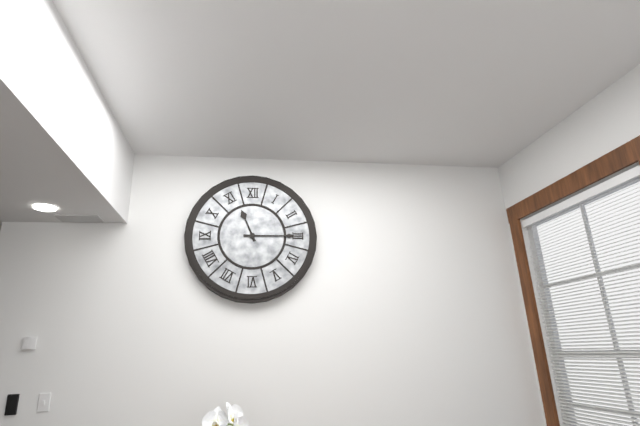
{"hour": 11, "minute": 15}
